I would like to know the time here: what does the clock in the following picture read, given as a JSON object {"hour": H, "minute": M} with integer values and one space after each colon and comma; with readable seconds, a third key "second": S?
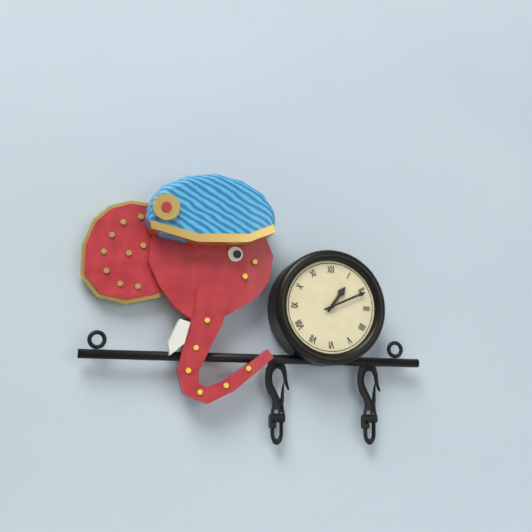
{"hour": 1, "minute": 11}
